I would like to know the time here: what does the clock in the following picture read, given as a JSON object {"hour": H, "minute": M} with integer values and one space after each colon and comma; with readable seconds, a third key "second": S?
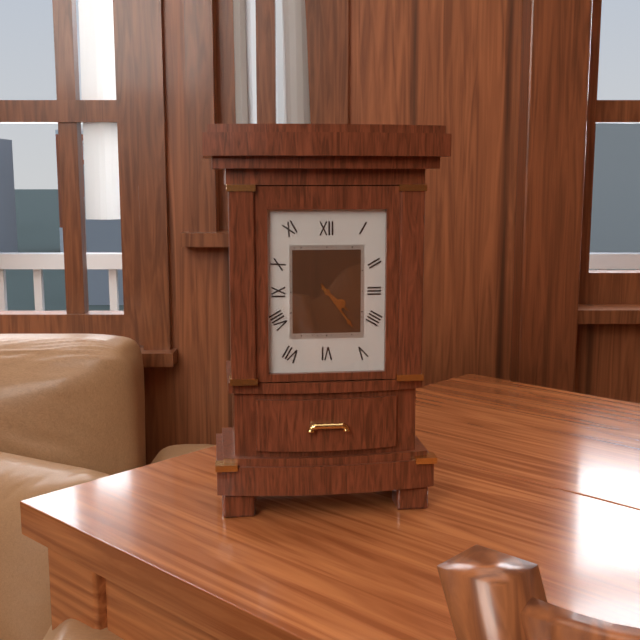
{"hour": 4, "minute": 24}
